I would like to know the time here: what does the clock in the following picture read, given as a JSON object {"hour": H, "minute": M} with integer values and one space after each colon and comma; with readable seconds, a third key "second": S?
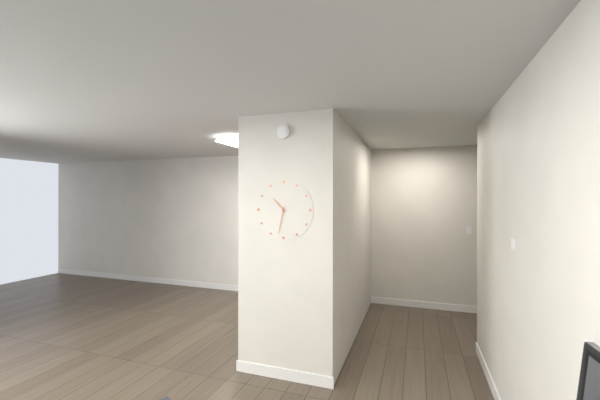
{"hour": 10, "minute": 32}
